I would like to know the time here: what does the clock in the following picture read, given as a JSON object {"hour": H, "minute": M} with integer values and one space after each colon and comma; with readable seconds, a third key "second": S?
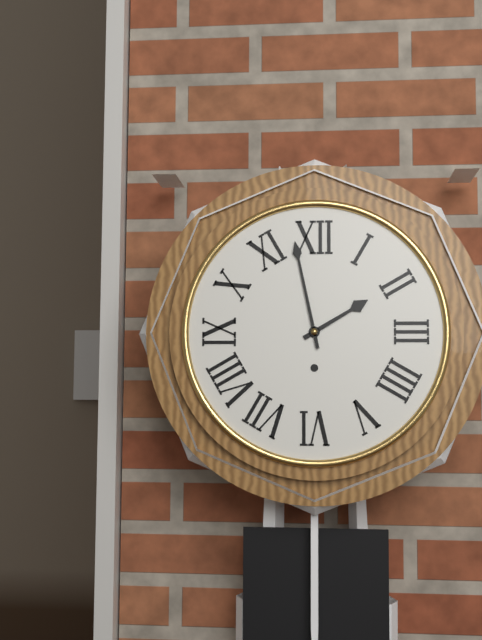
{"hour": 1, "minute": 58}
